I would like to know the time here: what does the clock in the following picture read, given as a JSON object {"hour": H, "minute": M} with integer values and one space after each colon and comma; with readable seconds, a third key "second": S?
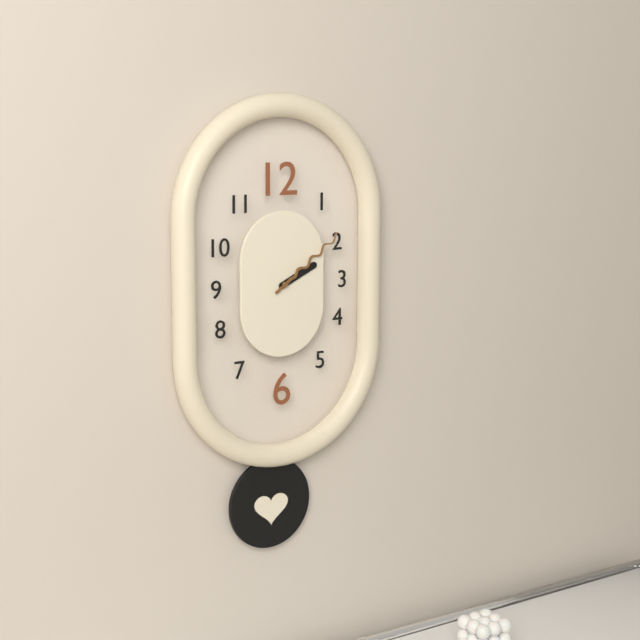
{"hour": 2, "minute": 9}
